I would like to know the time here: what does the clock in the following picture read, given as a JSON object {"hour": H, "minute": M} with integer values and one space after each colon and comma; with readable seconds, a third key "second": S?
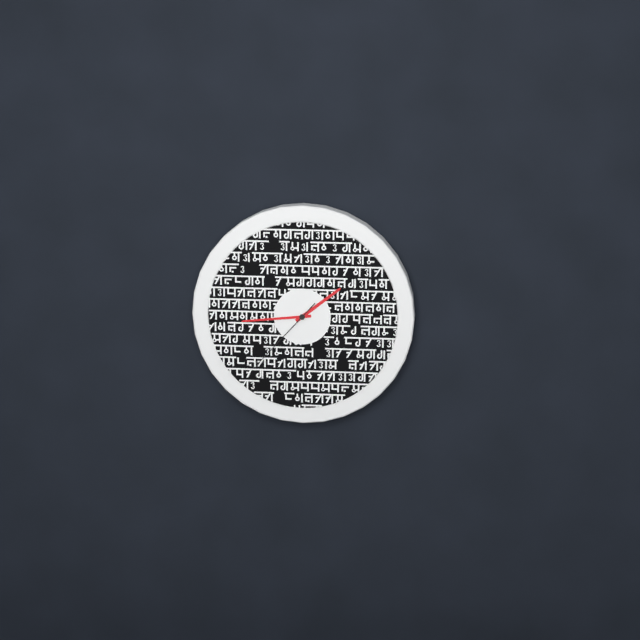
{"hour": 1, "minute": 44, "second": 37}
